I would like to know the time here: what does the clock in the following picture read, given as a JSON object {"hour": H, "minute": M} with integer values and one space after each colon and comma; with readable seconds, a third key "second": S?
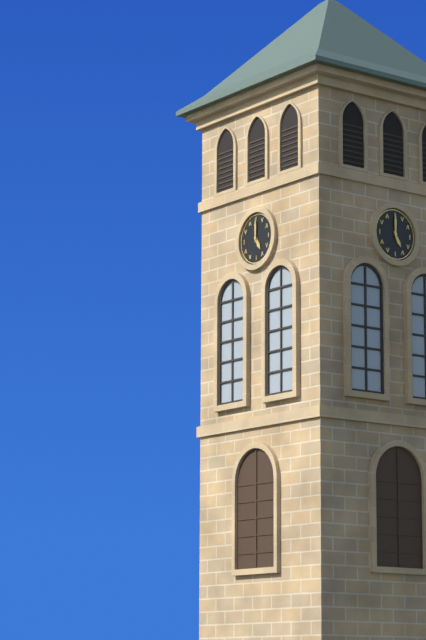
{"hour": 5, "minute": 0}
